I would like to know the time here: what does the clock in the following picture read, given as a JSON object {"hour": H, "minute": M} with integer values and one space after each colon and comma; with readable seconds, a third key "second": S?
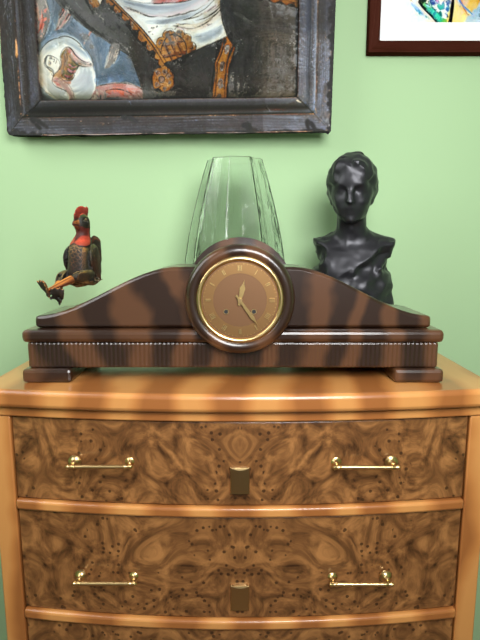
{"hour": 12, "minute": 24}
